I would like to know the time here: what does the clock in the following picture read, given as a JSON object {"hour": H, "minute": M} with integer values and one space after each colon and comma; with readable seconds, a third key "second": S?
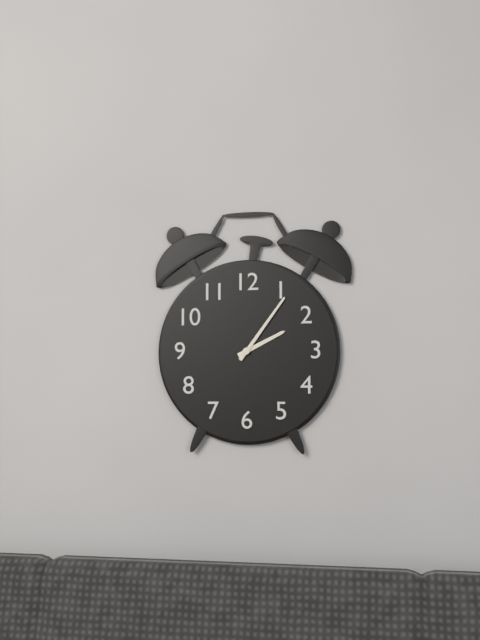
{"hour": 2, "minute": 6}
